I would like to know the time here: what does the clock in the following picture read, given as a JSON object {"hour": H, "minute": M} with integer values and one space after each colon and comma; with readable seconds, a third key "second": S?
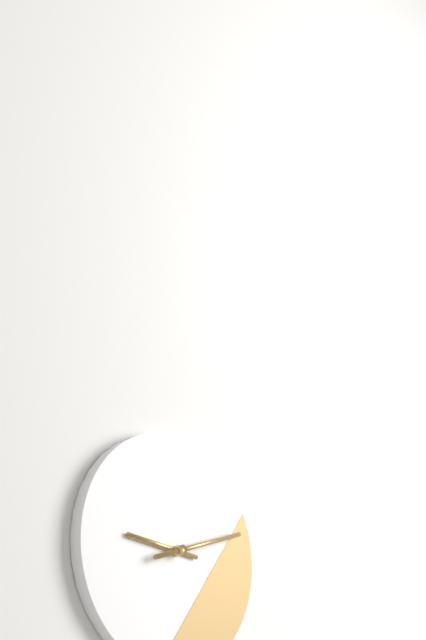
{"hour": 9, "minute": 12}
